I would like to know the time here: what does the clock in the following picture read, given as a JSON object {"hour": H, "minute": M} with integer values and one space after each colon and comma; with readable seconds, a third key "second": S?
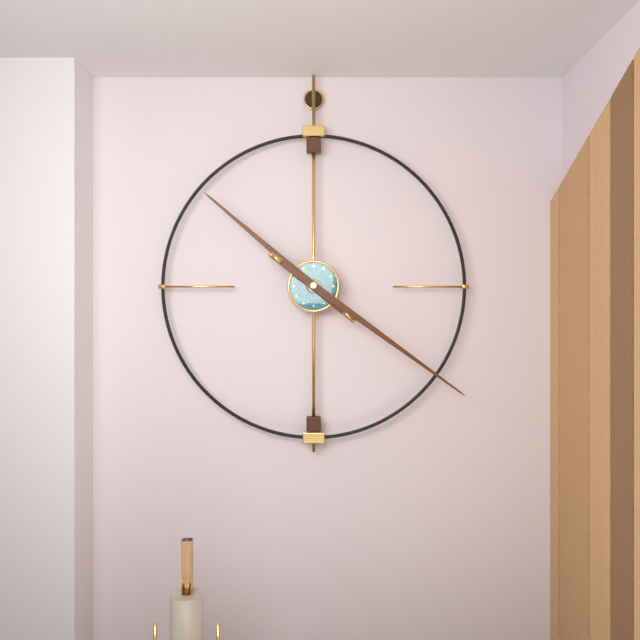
{"hour": 10, "minute": 21}
